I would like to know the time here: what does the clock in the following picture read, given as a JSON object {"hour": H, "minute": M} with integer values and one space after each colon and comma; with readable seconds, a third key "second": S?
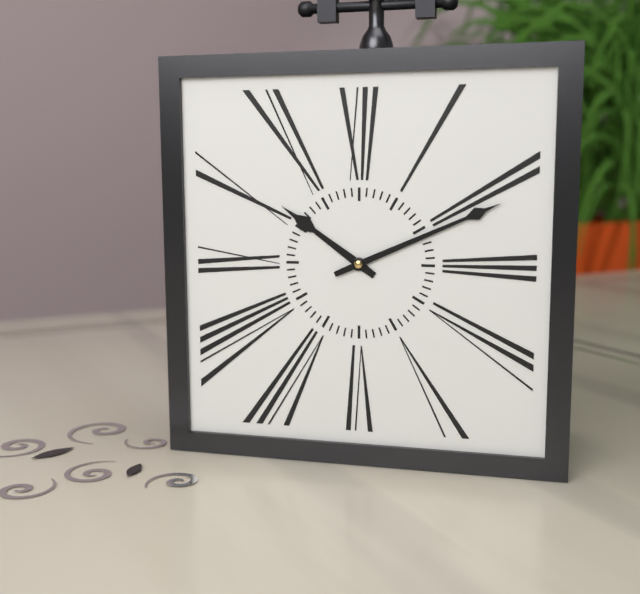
{"hour": 10, "minute": 11}
